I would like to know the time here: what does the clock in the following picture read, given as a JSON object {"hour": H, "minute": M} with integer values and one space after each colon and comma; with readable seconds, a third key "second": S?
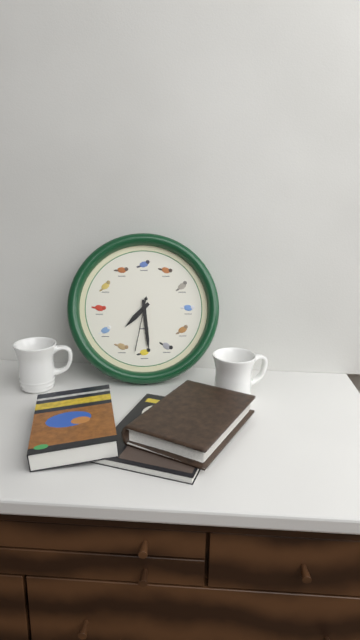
{"hour": 7, "minute": 29, "second": 32}
